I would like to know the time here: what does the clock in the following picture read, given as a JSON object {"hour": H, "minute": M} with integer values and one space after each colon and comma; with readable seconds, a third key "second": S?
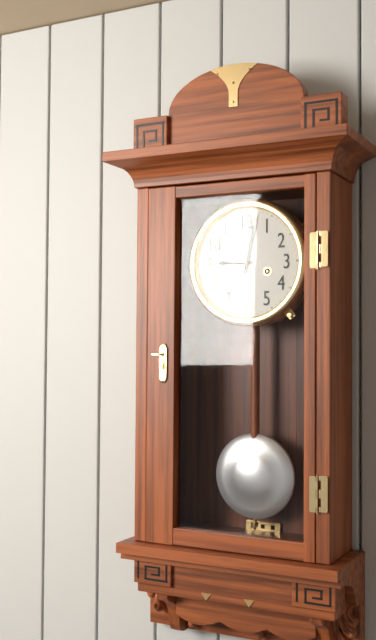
{"hour": 9, "minute": 2}
